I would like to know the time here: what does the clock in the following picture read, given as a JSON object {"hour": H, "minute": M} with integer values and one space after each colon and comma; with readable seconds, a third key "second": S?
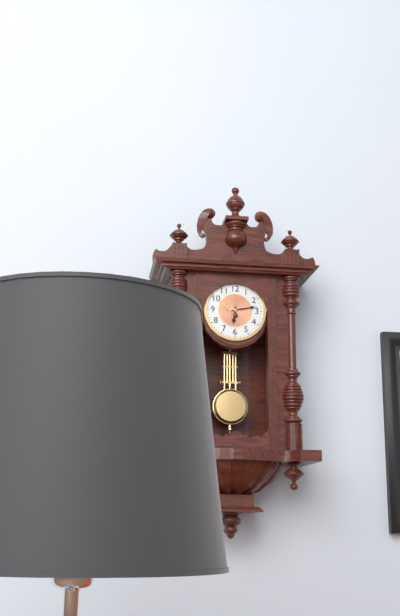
{"hour": 6, "minute": 13}
